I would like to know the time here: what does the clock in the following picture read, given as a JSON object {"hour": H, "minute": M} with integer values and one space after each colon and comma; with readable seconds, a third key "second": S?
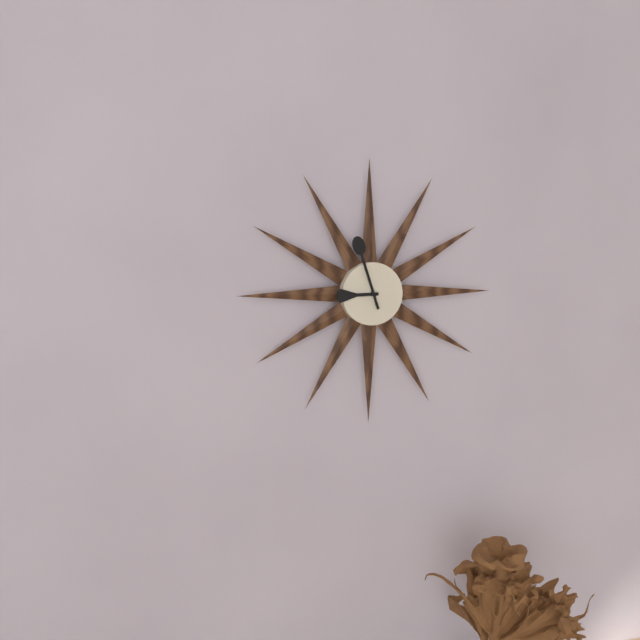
{"hour": 8, "minute": 57}
